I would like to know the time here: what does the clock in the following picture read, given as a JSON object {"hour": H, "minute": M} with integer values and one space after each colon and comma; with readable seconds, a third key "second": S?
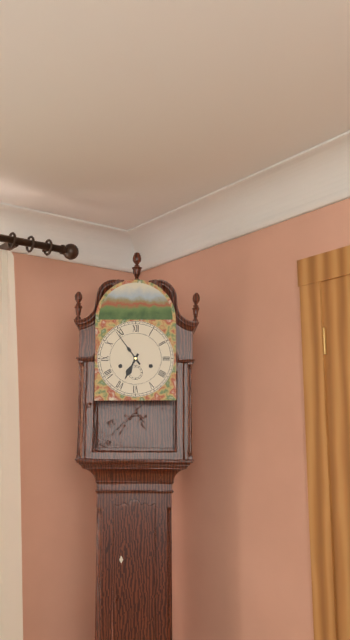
{"hour": 6, "minute": 54}
